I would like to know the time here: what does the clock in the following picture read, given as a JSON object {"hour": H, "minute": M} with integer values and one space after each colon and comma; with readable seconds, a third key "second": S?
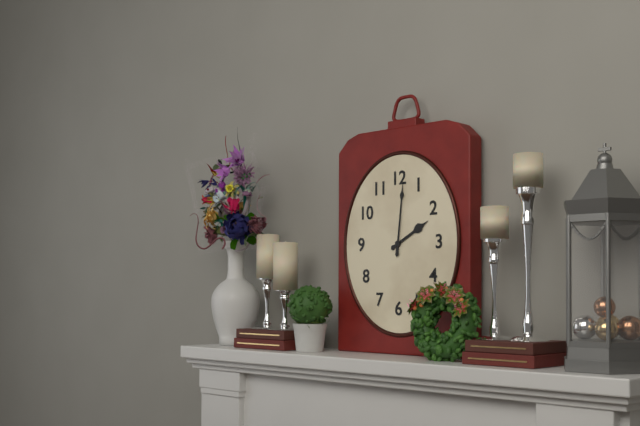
{"hour": 2, "minute": 1}
